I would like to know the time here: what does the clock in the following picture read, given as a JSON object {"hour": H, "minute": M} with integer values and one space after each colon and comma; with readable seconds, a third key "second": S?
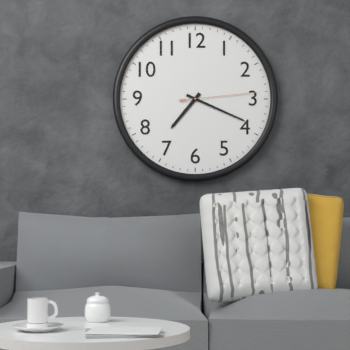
{"hour": 7, "minute": 19, "second": 14}
